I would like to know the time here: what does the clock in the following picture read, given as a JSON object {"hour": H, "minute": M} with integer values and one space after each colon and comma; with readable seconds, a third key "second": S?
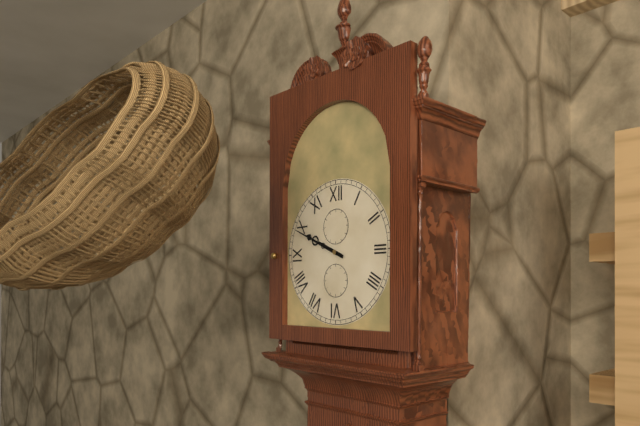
{"hour": 9, "minute": 49}
